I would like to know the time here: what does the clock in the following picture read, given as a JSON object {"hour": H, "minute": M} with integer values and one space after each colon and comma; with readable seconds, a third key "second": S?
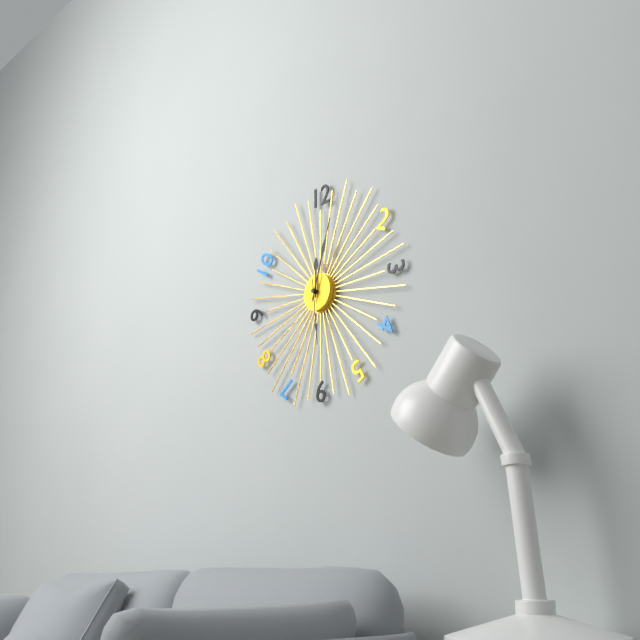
{"hour": 12, "minute": 3, "second": 29}
